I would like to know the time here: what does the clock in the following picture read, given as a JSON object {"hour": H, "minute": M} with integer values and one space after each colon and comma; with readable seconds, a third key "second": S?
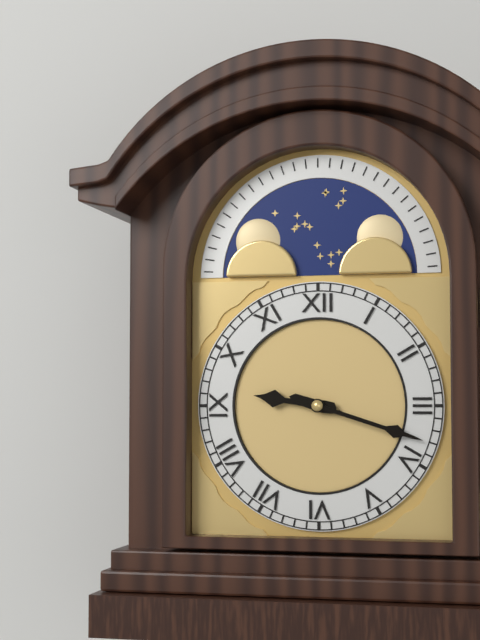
{"hour": 9, "minute": 18}
